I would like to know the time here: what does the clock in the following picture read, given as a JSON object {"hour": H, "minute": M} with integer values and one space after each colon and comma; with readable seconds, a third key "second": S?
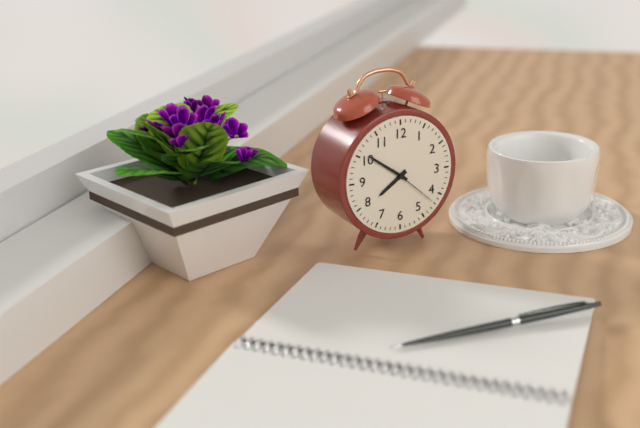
{"hour": 7, "minute": 51, "second": 22}
